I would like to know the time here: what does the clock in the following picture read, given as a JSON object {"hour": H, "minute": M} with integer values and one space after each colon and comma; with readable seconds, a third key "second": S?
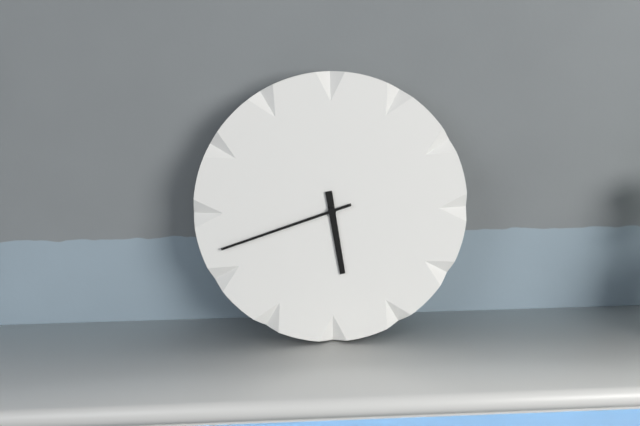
{"hour": 5, "minute": 42}
